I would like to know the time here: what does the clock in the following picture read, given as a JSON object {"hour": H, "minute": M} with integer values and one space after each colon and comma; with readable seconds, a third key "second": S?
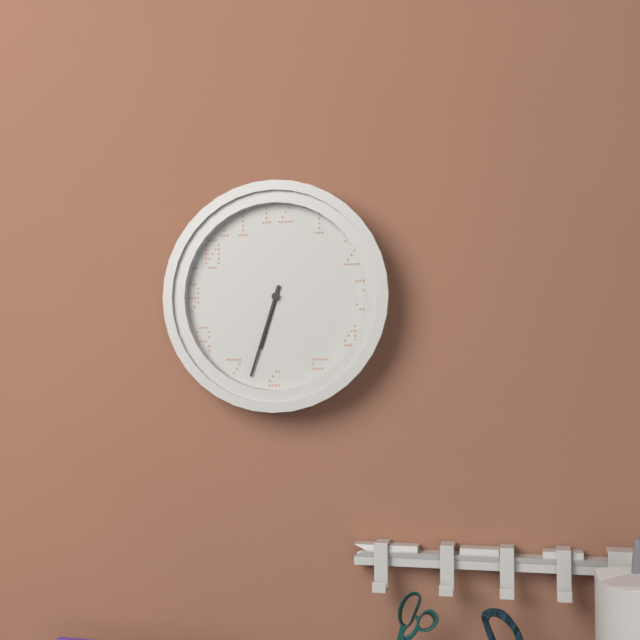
{"hour": 6, "minute": 33}
